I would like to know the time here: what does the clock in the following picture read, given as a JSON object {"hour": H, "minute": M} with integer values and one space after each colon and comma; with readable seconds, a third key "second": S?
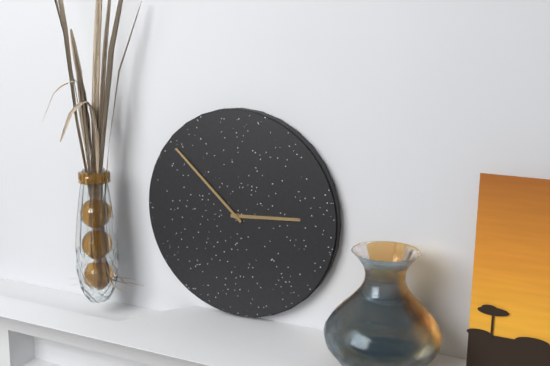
{"hour": 2, "minute": 52}
